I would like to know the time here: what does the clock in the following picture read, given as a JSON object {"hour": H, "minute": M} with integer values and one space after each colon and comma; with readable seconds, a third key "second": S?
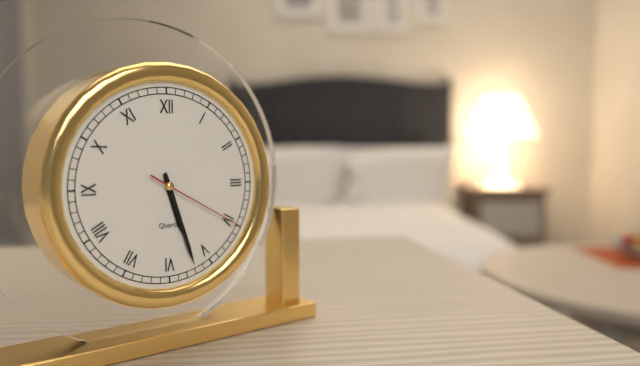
{"hour": 5, "minute": 27, "second": 20}
